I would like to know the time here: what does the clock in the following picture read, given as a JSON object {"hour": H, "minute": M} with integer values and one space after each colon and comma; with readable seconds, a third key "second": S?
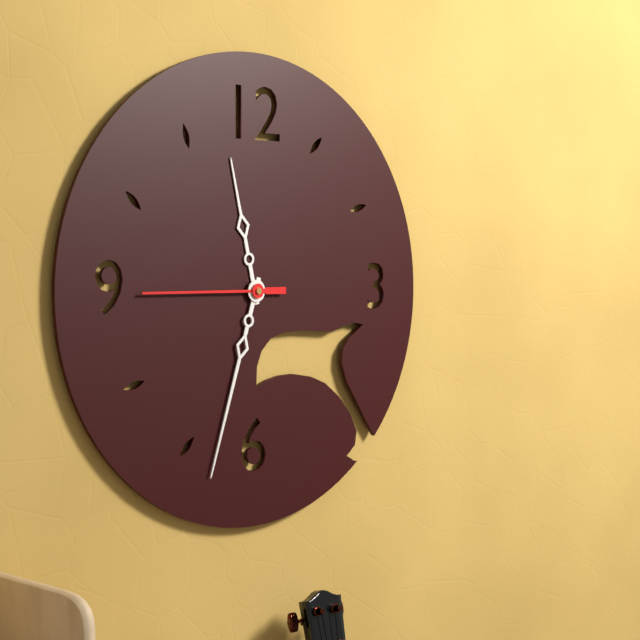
{"hour": 11, "minute": 33, "second": 45}
